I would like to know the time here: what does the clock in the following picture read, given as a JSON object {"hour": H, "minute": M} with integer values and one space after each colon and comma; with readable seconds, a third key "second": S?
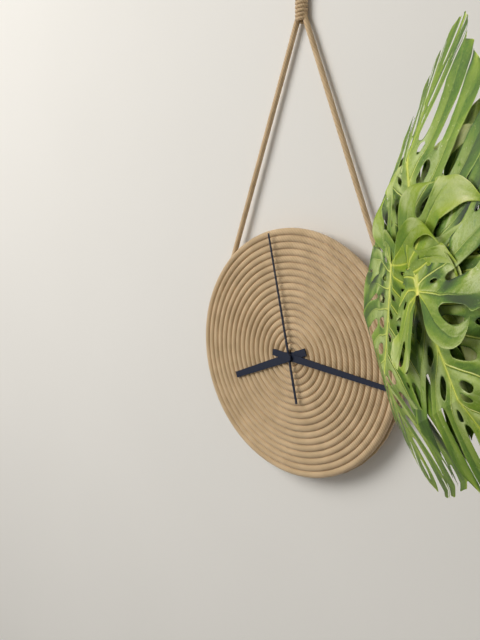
{"hour": 8, "minute": 16, "second": 58}
